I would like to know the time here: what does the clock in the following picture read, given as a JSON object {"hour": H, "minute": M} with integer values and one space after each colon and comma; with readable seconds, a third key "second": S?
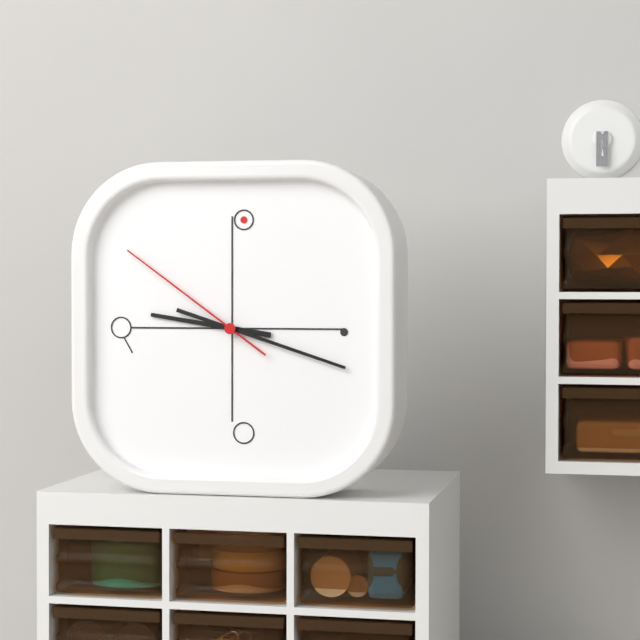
{"hour": 9, "minute": 18, "second": 51}
